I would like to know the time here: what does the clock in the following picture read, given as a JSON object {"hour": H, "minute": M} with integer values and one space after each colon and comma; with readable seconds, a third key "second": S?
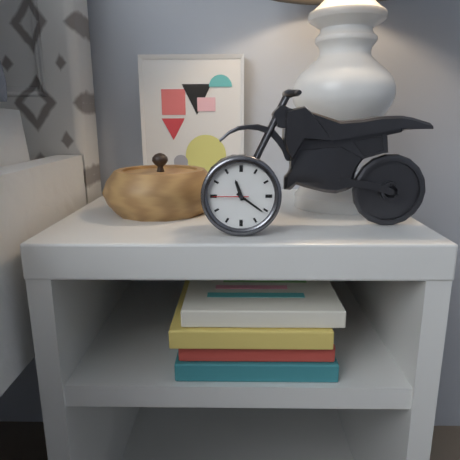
{"hour": 11, "minute": 21}
